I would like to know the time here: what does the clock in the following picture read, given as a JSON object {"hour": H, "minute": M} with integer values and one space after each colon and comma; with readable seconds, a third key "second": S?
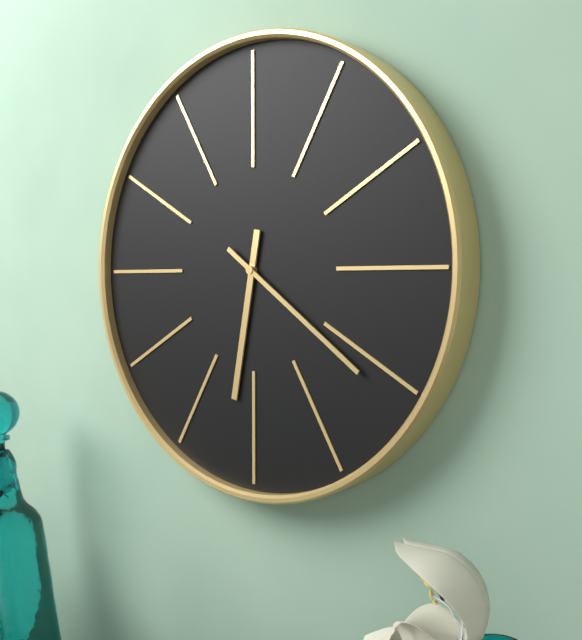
{"hour": 6, "minute": 21}
